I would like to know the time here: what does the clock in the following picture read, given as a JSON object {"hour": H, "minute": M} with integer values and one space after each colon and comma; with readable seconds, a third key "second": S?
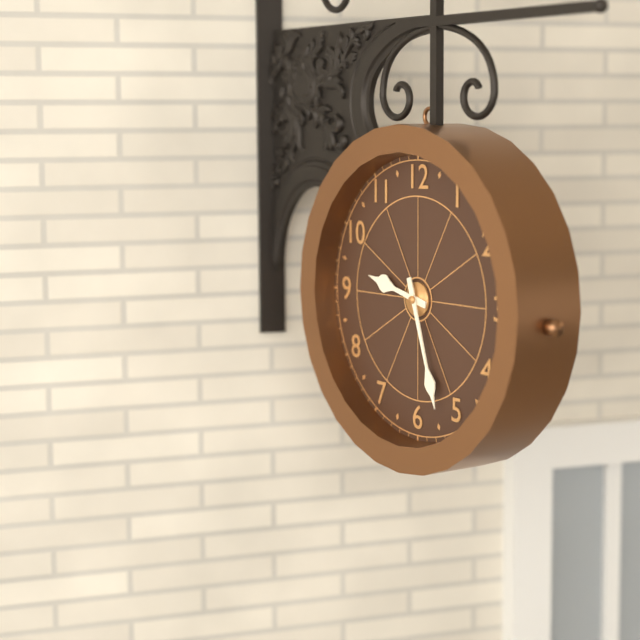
{"hour": 9, "minute": 27}
